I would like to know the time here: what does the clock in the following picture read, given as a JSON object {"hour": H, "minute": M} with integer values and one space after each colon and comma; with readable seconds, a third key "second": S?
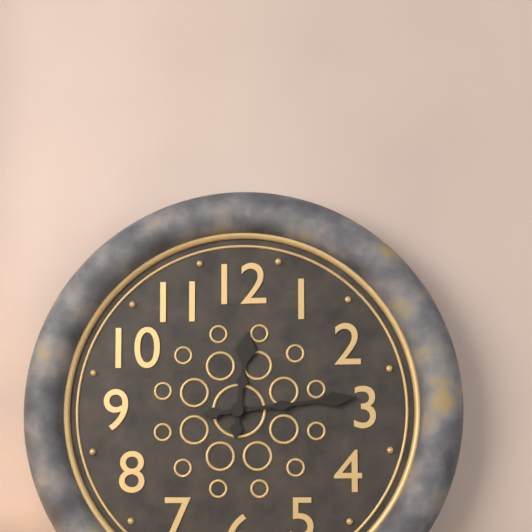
{"hour": 12, "minute": 14}
